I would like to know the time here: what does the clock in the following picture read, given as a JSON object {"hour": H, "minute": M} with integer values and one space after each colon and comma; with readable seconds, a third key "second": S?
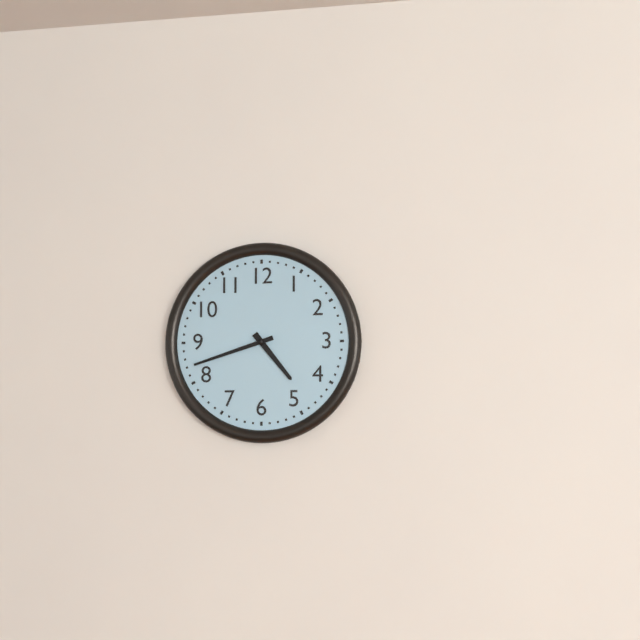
{"hour": 4, "minute": 42}
